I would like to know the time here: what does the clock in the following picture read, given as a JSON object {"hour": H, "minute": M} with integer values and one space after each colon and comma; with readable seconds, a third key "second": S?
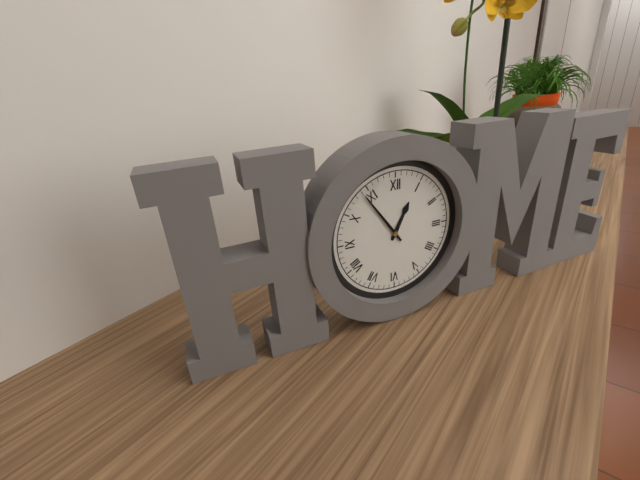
{"hour": 12, "minute": 54}
